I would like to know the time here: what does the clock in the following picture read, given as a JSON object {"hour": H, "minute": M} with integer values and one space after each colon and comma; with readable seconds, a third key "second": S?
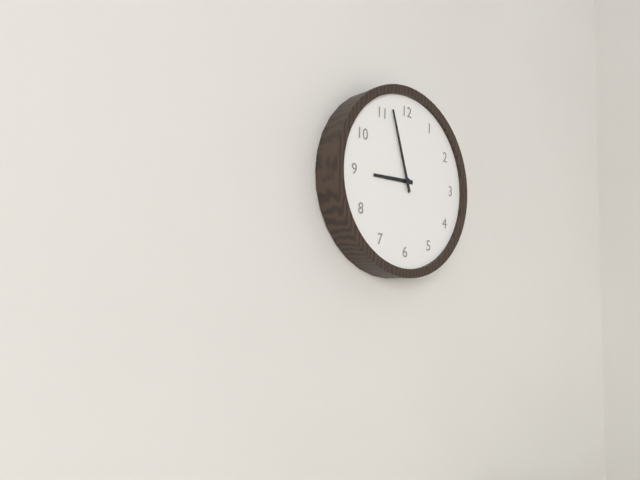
{"hour": 8, "minute": 57}
